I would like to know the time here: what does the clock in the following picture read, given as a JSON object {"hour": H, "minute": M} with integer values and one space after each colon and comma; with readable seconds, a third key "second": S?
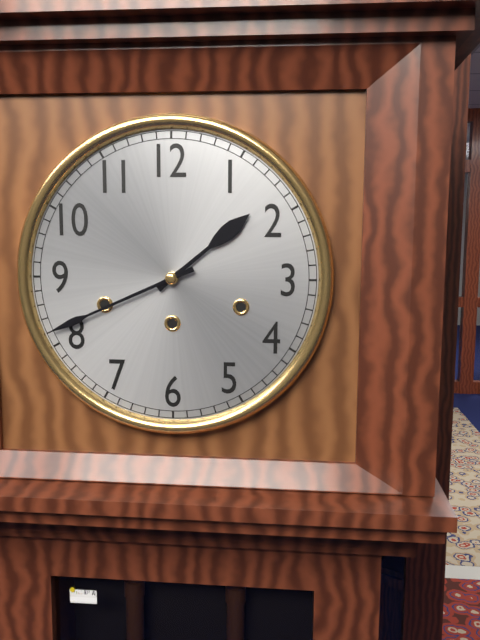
{"hour": 1, "minute": 41}
